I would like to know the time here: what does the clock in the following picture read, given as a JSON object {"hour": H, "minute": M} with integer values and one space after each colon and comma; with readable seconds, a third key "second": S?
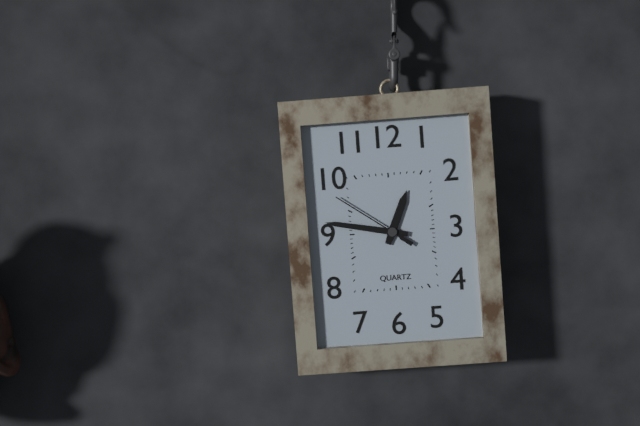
{"hour": 12, "minute": 47, "second": 51}
